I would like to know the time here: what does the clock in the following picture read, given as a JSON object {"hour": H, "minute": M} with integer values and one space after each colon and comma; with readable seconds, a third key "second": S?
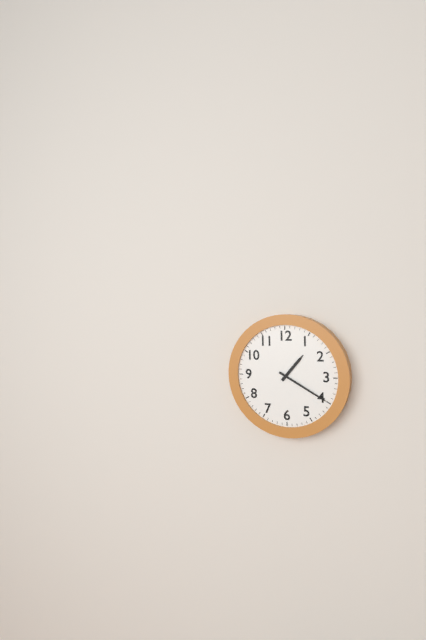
{"hour": 1, "minute": 20}
